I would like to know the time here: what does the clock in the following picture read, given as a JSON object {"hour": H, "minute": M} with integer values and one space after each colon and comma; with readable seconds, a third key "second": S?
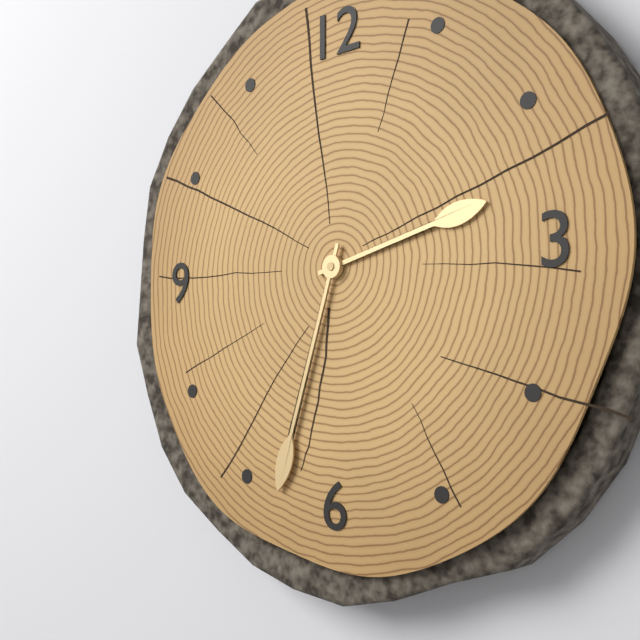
{"hour": 2, "minute": 33}
